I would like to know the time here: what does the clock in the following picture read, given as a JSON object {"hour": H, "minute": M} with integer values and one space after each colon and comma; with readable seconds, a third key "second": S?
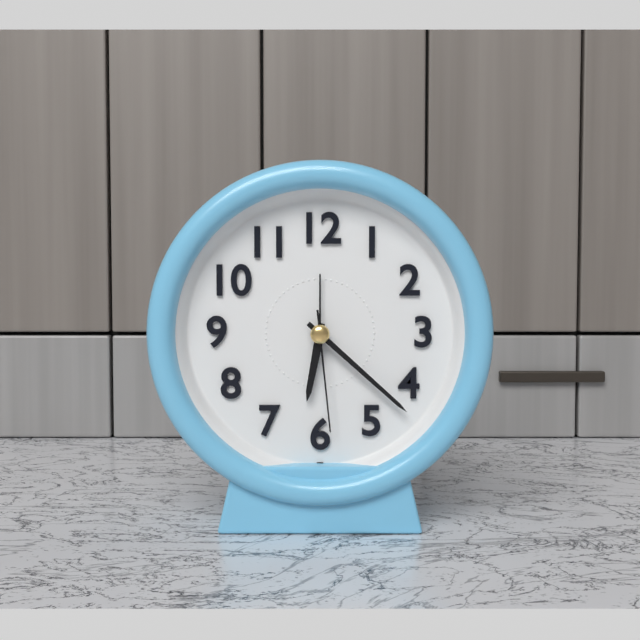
{"hour": 6, "minute": 22, "second": 29}
